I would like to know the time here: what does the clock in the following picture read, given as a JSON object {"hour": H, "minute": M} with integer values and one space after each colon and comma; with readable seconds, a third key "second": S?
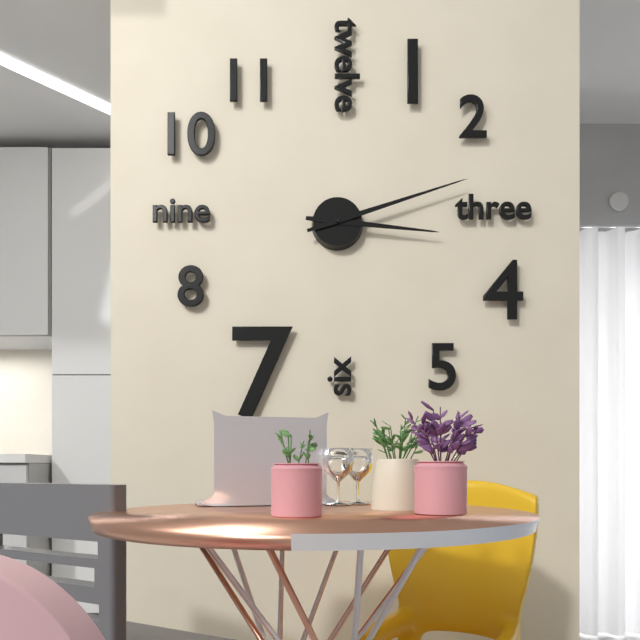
{"hour": 3, "minute": 12}
